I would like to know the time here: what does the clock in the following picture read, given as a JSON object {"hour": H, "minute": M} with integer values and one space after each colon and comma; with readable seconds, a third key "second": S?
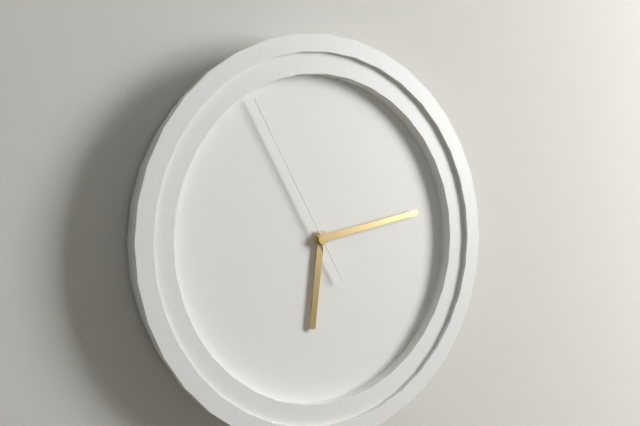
{"hour": 6, "minute": 13, "second": 55}
